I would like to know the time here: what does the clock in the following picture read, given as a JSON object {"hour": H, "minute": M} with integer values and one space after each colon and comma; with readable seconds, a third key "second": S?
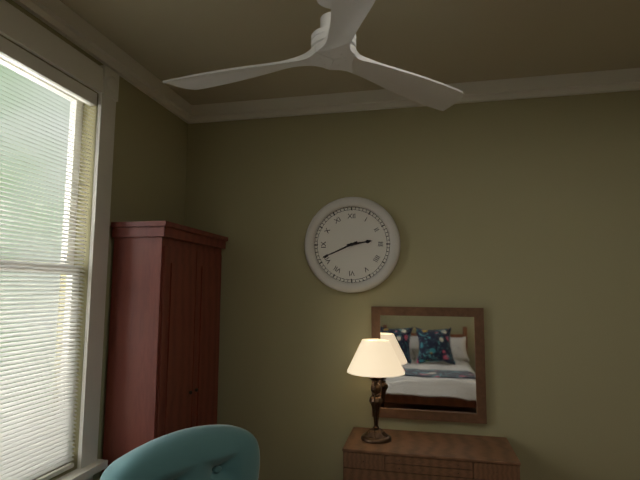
{"hour": 2, "minute": 41}
